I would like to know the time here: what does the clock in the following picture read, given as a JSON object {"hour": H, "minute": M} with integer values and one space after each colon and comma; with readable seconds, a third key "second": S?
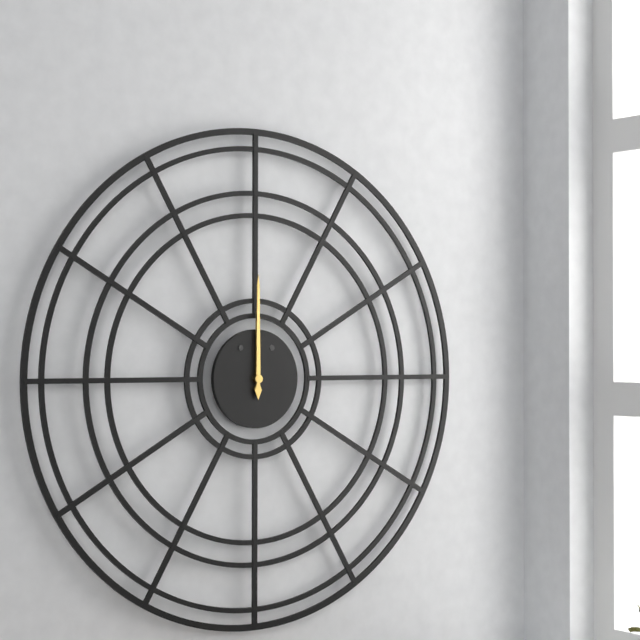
{"hour": 12, "minute": 0}
